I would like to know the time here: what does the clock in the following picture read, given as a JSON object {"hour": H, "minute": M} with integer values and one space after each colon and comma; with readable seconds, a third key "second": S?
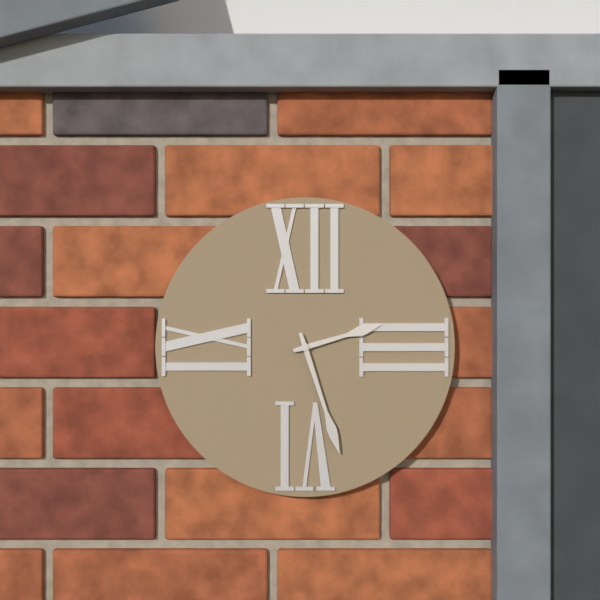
{"hour": 2, "minute": 27}
